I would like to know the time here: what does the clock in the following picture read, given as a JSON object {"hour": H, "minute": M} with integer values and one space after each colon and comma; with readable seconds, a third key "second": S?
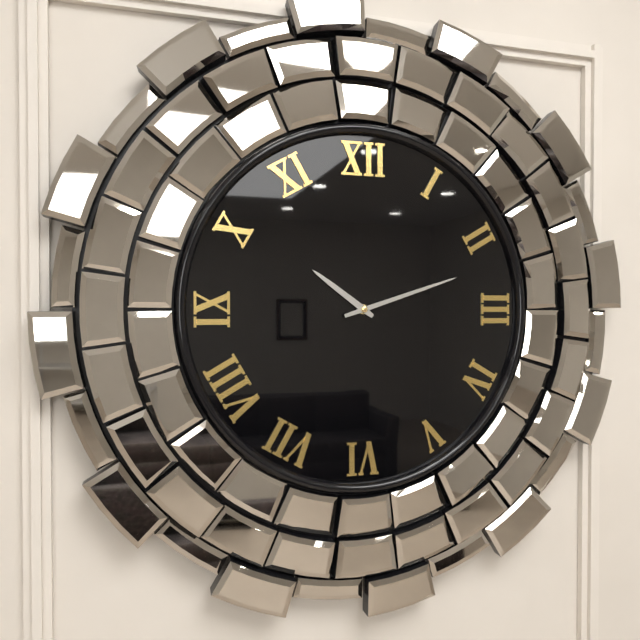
{"hour": 10, "minute": 12}
